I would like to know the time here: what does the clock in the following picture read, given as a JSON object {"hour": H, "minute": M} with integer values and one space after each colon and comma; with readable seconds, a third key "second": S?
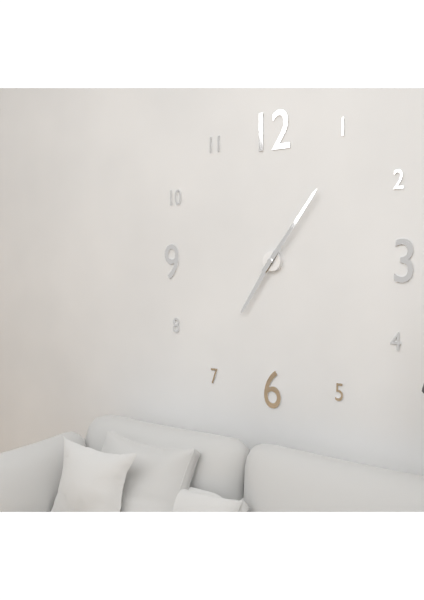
{"hour": 7, "minute": 6}
